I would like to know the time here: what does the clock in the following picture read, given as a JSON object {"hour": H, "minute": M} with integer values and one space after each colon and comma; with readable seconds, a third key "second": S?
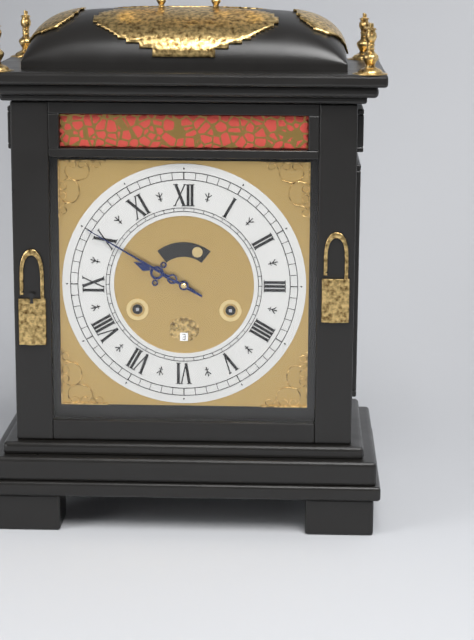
{"hour": 9, "minute": 50}
